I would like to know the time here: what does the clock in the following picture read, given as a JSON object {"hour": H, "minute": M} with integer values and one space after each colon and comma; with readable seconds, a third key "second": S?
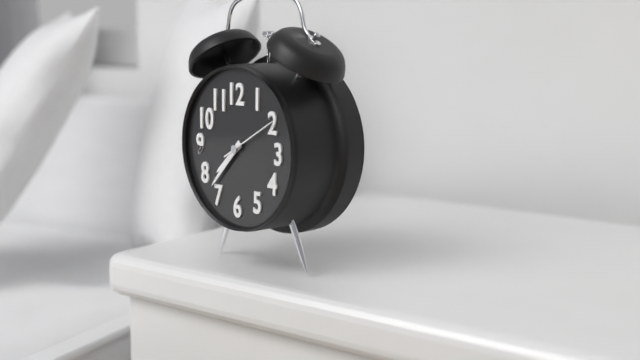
{"hour": 7, "minute": 37, "second": 10}
